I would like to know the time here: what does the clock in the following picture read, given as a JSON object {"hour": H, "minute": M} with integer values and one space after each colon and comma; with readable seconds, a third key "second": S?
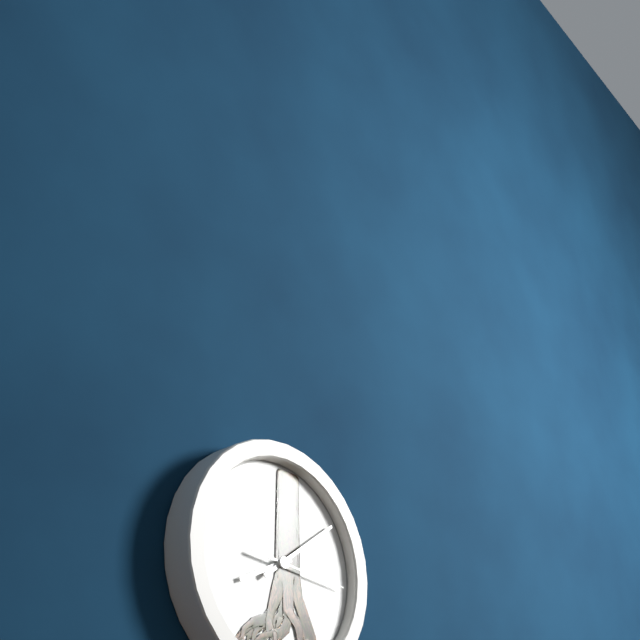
{"hour": 8, "minute": 9, "second": 16}
